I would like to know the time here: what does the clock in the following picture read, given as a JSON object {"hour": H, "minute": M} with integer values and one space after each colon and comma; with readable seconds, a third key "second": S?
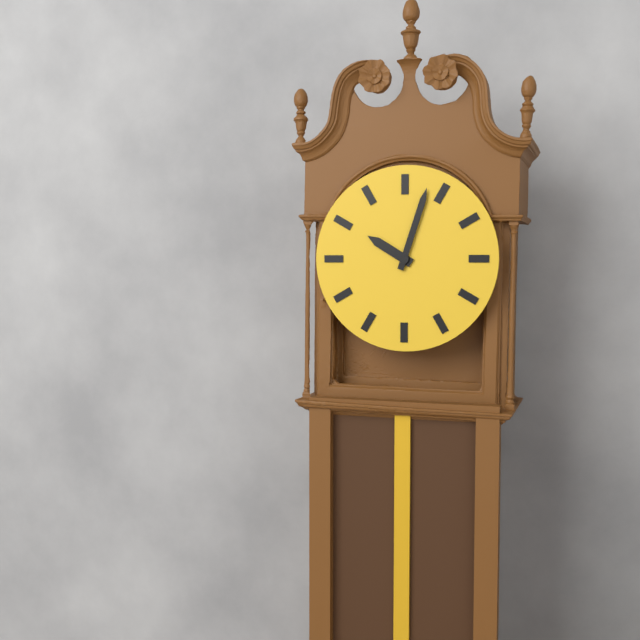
{"hour": 10, "minute": 3}
